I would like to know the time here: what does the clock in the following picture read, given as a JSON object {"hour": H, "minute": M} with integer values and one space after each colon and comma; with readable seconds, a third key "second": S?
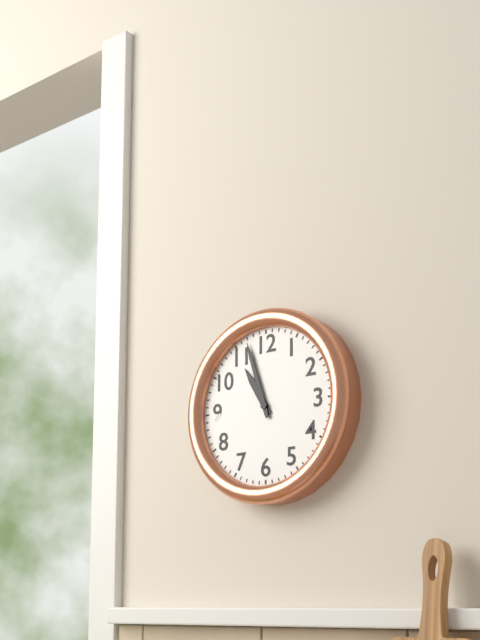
{"hour": 10, "minute": 57}
